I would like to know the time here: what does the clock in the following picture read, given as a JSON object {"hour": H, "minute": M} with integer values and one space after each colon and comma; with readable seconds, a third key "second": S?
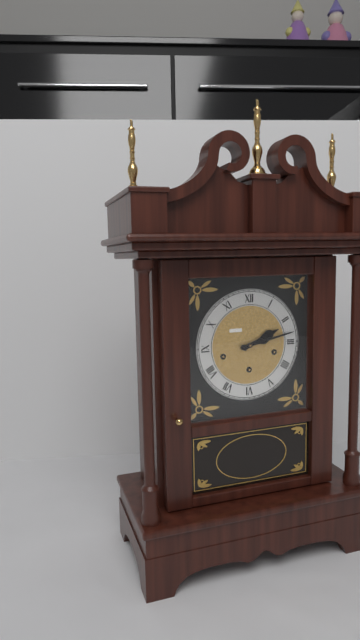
{"hour": 2, "minute": 13}
